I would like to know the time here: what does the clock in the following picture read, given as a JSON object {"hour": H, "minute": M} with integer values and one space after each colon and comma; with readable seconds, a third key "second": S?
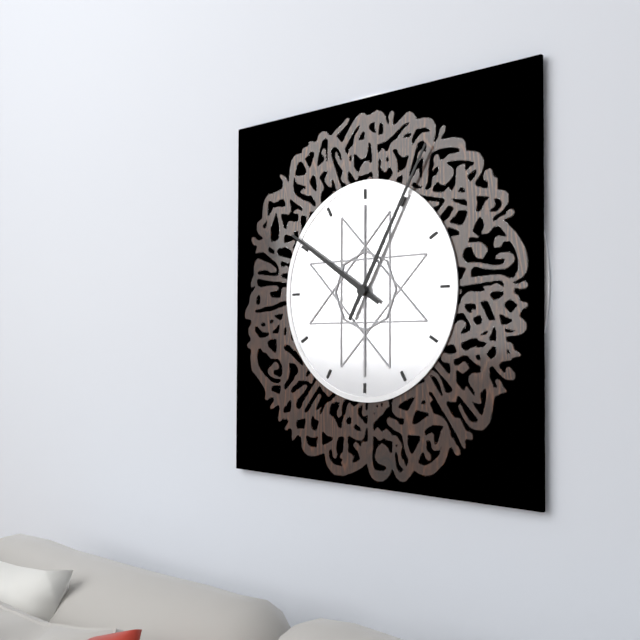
{"hour": 10, "minute": 5}
